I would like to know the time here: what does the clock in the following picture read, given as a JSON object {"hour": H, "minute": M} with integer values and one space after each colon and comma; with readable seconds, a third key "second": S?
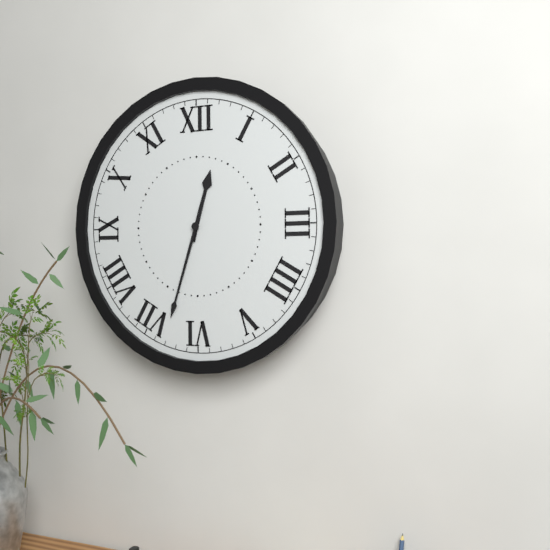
{"hour": 12, "minute": 33}
